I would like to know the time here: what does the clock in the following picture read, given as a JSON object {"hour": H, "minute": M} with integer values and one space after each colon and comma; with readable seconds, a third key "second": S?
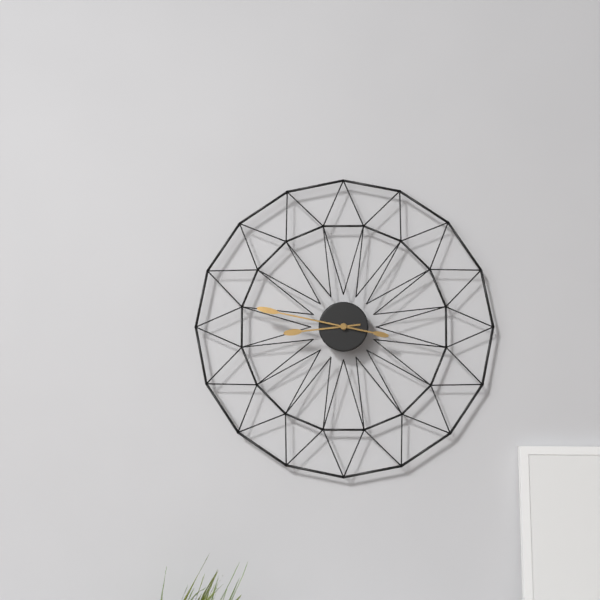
{"hour": 8, "minute": 47}
